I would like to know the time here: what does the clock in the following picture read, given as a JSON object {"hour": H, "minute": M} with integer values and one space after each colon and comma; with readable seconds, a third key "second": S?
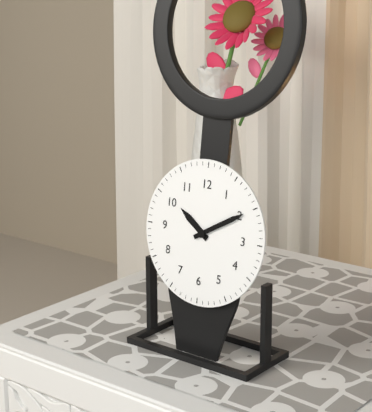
{"hour": 10, "minute": 10}
